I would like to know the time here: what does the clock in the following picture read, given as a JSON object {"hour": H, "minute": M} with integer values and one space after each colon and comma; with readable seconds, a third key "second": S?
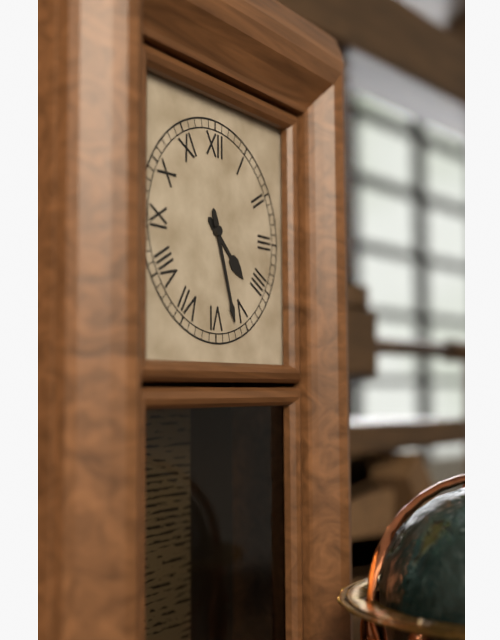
{"hour": 4, "minute": 27}
